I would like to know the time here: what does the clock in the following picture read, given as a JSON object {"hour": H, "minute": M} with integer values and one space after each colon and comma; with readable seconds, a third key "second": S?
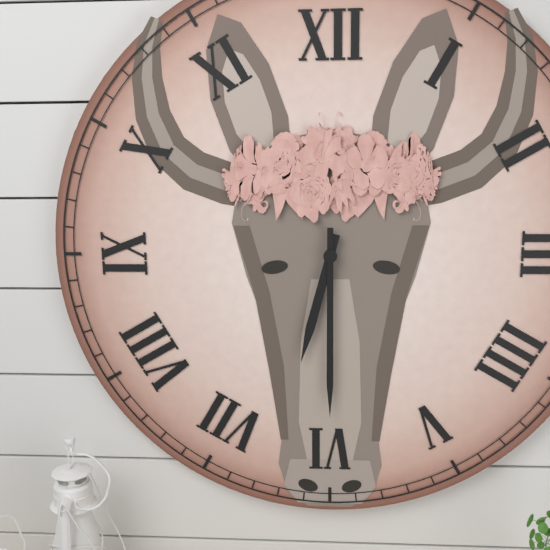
{"hour": 6, "minute": 30}
